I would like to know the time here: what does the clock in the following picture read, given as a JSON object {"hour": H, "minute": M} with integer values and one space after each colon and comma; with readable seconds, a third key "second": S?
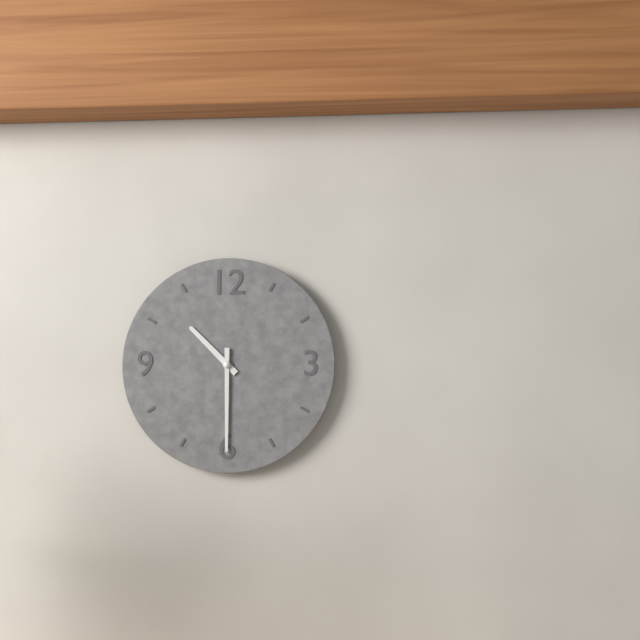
{"hour": 10, "minute": 30}
